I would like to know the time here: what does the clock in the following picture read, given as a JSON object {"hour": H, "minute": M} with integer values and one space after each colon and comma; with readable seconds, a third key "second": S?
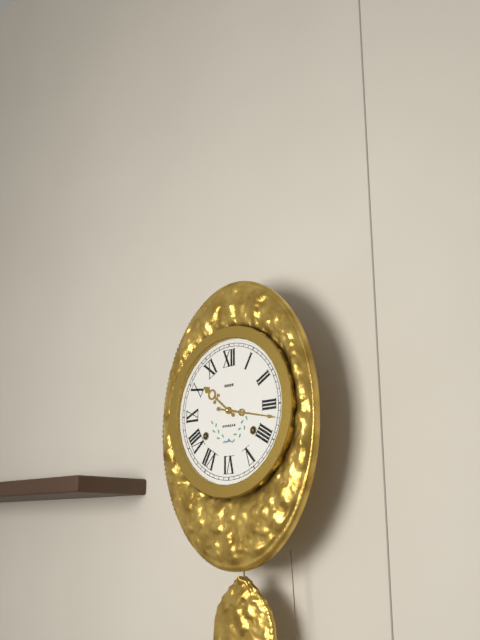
{"hour": 10, "minute": 17}
